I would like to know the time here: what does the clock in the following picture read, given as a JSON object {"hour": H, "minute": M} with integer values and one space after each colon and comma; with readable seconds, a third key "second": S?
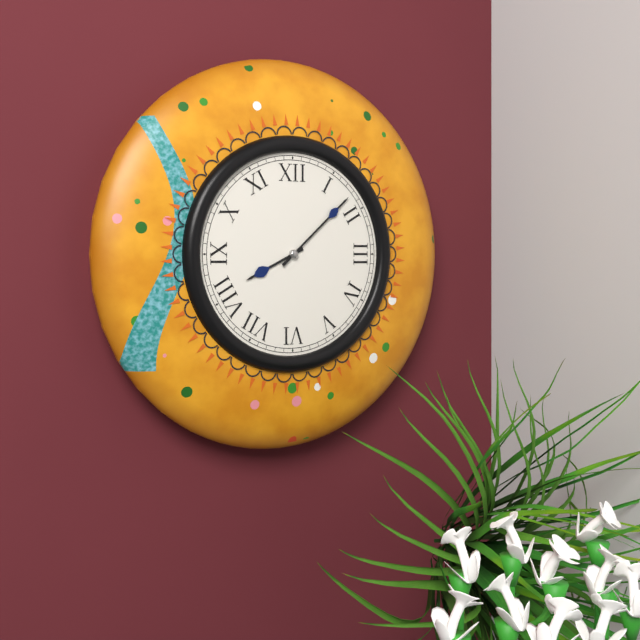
{"hour": 8, "minute": 8}
